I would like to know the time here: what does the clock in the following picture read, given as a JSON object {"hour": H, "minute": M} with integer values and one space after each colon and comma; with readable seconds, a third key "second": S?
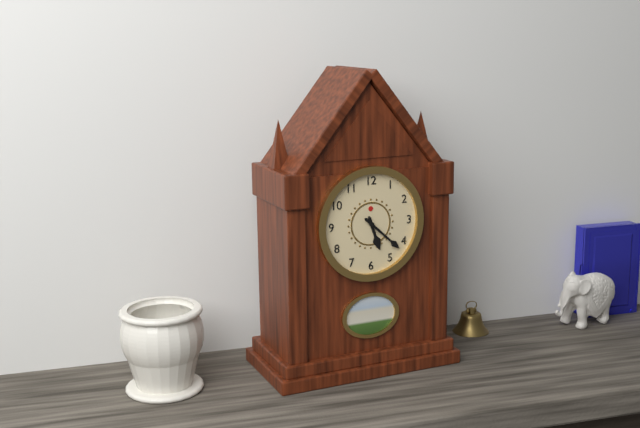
{"hour": 5, "minute": 22}
